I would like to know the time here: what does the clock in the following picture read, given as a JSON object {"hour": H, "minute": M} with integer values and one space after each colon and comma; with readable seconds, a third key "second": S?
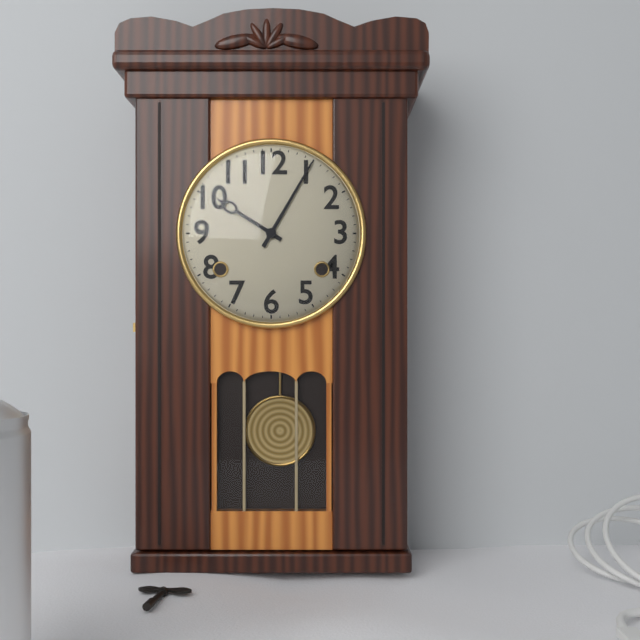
{"hour": 10, "minute": 5}
